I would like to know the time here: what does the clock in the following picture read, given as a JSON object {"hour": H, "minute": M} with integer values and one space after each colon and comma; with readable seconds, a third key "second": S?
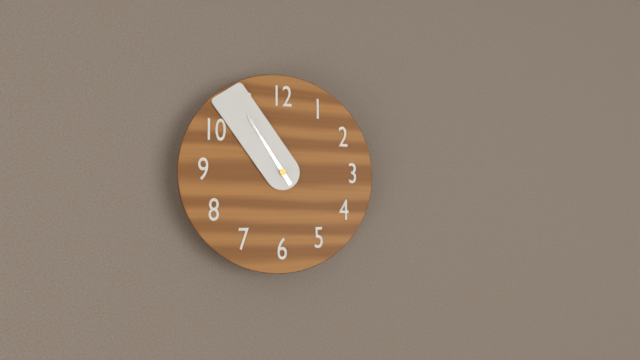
{"hour": 10, "minute": 54}
